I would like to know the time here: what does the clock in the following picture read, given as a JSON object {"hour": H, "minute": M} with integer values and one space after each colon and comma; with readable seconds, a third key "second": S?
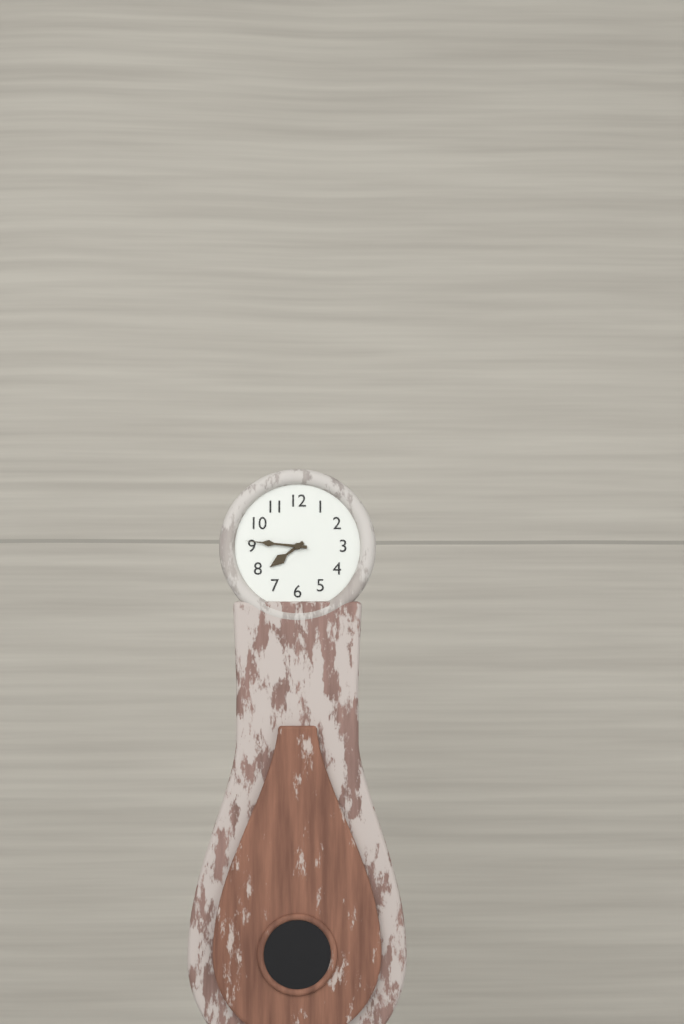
{"hour": 7, "minute": 46}
